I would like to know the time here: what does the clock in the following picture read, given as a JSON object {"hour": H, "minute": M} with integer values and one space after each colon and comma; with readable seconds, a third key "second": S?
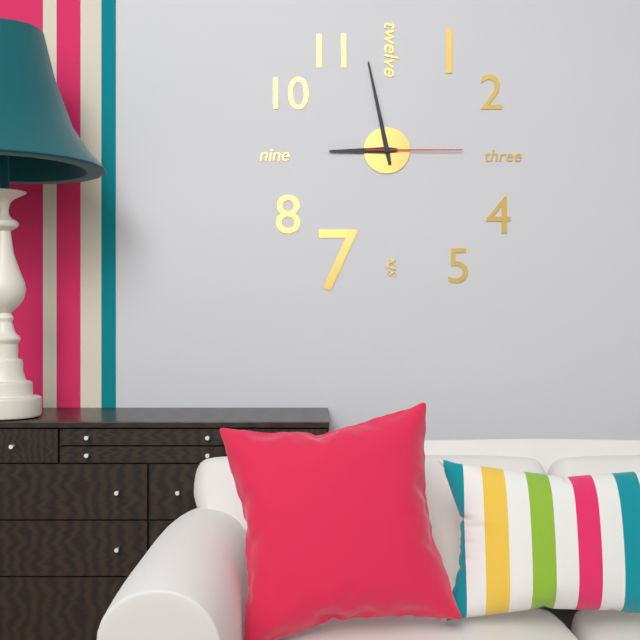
{"hour": 8, "minute": 58, "second": 15}
